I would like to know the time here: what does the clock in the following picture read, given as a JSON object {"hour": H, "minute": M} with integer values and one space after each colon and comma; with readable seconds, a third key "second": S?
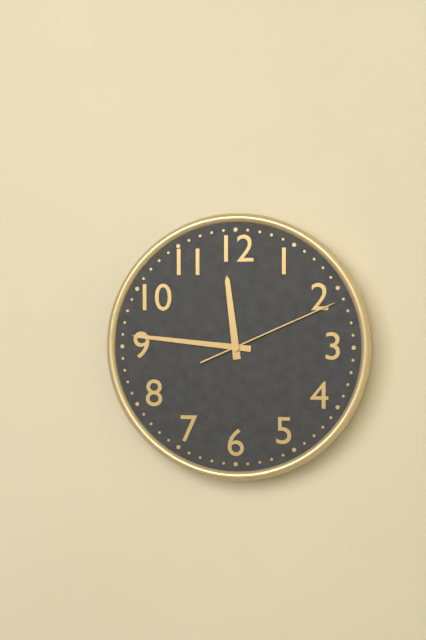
{"hour": 11, "minute": 46, "second": 11}
